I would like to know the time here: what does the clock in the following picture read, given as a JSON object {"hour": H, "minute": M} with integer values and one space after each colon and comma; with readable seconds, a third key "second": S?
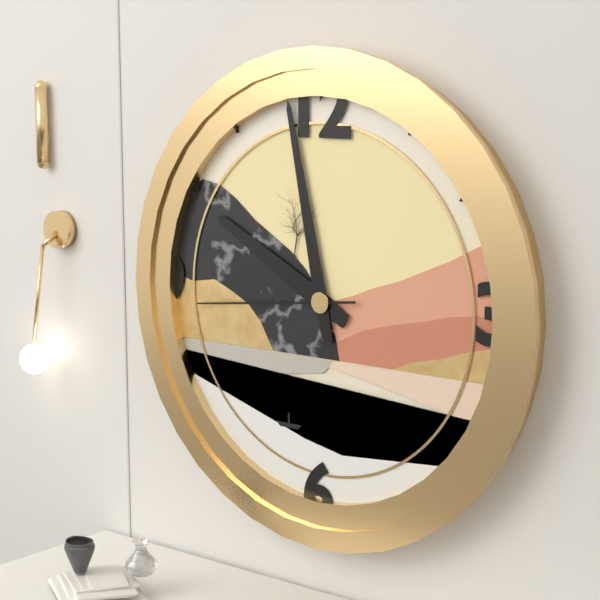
{"hour": 9, "minute": 58, "second": 44}
